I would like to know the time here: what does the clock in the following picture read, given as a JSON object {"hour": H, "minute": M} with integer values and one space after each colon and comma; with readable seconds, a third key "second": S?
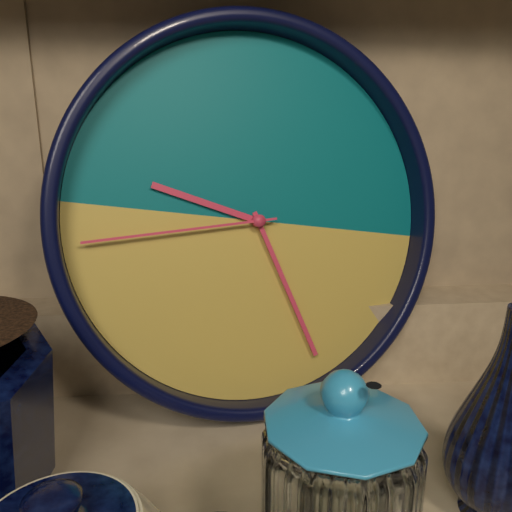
{"hour": 9, "minute": 25, "second": 43}
